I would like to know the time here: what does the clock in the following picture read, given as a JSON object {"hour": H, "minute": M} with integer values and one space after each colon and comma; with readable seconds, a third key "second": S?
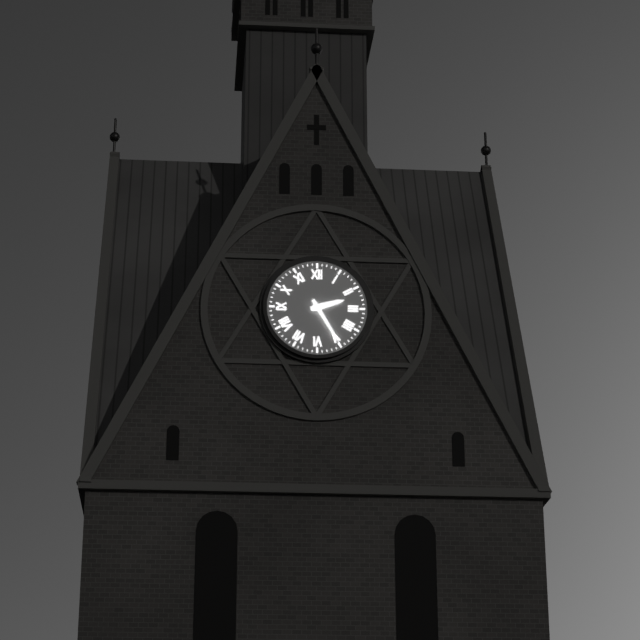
{"hour": 2, "minute": 25}
